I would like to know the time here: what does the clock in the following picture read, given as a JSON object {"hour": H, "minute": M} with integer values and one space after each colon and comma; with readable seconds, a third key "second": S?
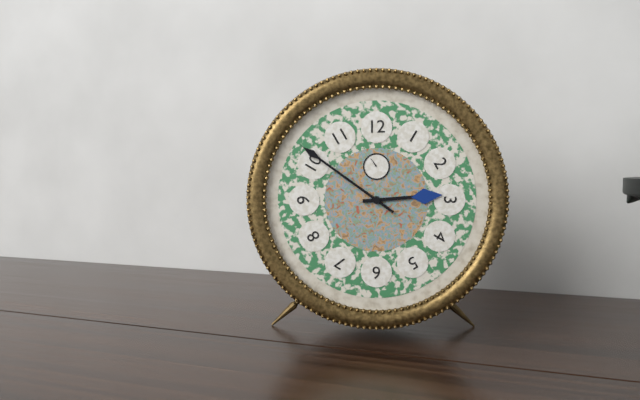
{"hour": 2, "minute": 51}
